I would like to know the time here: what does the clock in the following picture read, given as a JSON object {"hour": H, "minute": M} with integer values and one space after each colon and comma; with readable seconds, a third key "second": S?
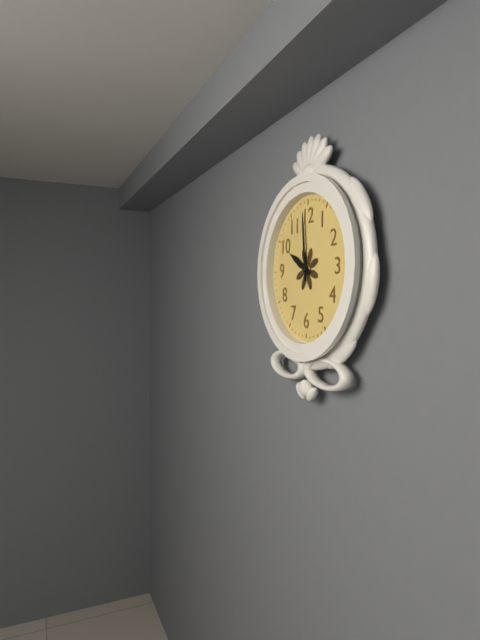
{"hour": 9, "minute": 59}
